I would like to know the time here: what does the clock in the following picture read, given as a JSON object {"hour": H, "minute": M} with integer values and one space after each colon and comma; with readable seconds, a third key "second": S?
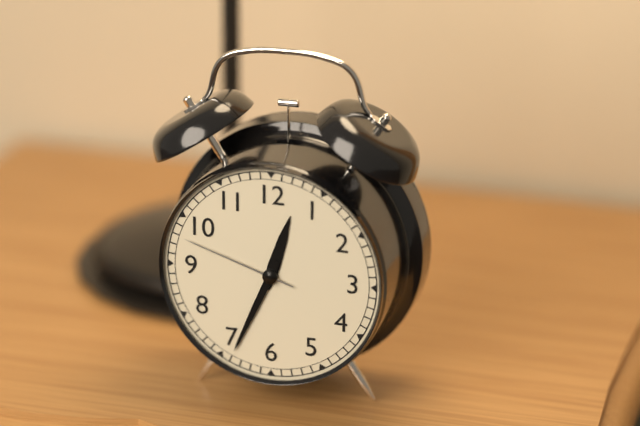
{"hour": 12, "minute": 34, "second": 48}
